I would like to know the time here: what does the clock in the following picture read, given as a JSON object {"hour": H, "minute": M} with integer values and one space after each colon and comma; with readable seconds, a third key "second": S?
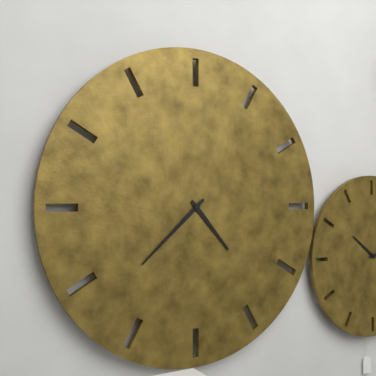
{"hour": 4, "minute": 38}
